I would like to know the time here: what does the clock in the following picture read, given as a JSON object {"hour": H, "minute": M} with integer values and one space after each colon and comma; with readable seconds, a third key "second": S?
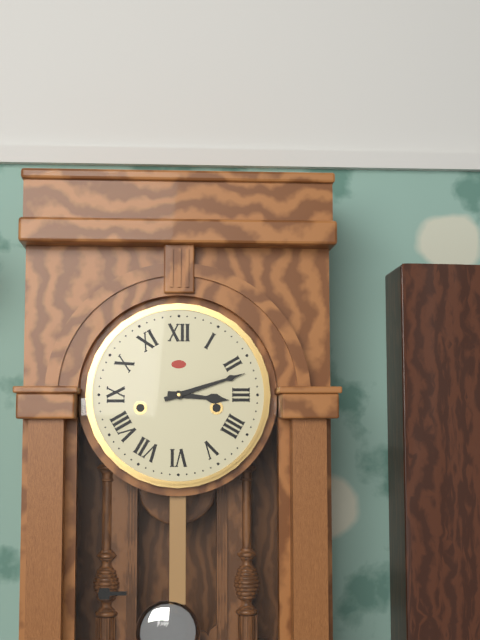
{"hour": 3, "minute": 12}
